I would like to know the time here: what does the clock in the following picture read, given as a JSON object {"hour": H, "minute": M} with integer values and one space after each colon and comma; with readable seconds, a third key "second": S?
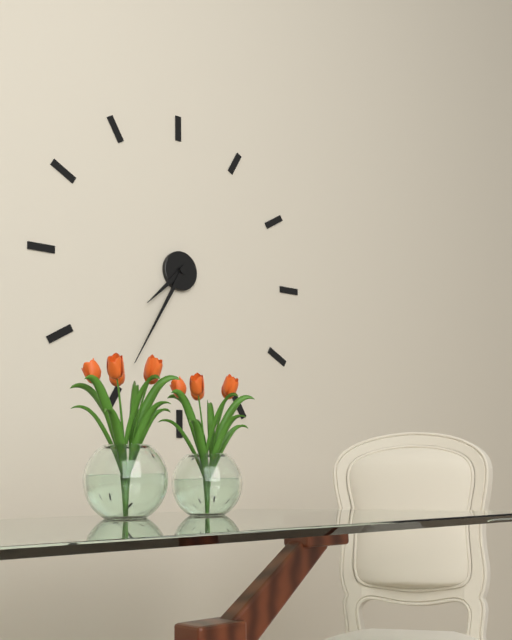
{"hour": 7, "minute": 35}
